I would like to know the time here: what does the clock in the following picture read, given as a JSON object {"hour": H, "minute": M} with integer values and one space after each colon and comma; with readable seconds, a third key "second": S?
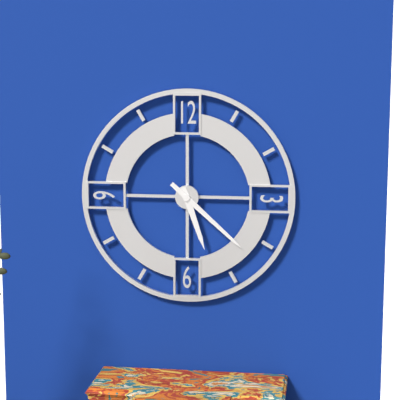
{"hour": 5, "minute": 22}
